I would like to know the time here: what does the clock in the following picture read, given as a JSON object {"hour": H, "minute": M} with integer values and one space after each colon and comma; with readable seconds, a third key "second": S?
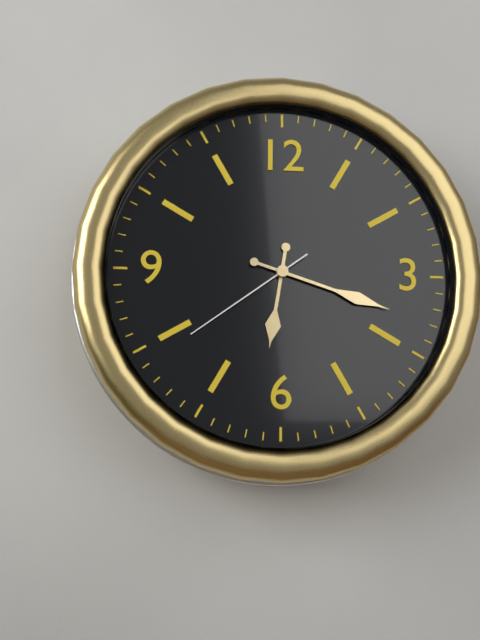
{"hour": 6, "minute": 18, "second": 39}
